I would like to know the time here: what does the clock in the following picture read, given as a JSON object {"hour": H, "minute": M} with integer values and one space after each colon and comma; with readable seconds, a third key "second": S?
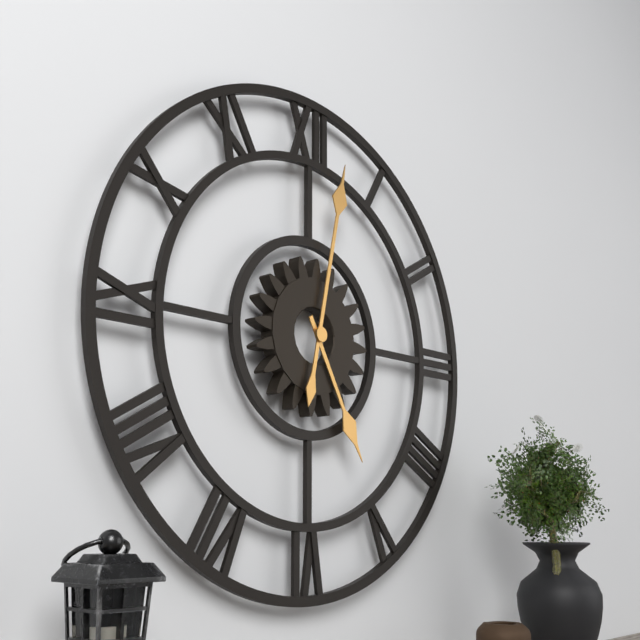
{"hour": 5, "minute": 2}
